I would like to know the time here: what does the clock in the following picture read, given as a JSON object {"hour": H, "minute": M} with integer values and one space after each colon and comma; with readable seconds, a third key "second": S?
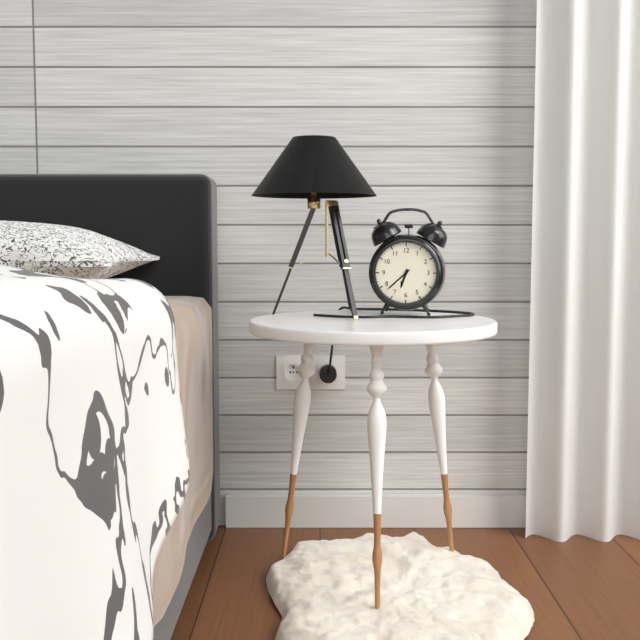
{"hour": 6, "minute": 38}
